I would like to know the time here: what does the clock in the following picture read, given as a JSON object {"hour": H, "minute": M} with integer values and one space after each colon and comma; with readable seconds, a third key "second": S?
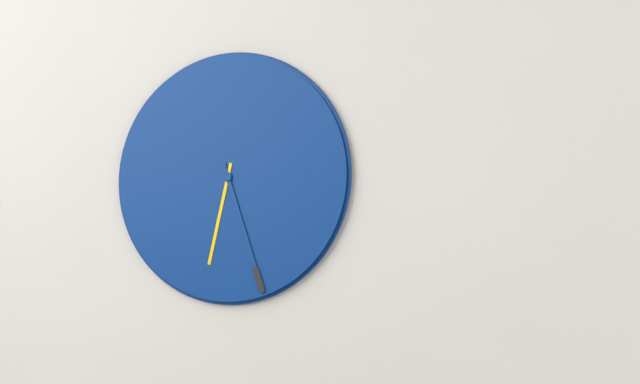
{"hour": 6, "minute": 27}
